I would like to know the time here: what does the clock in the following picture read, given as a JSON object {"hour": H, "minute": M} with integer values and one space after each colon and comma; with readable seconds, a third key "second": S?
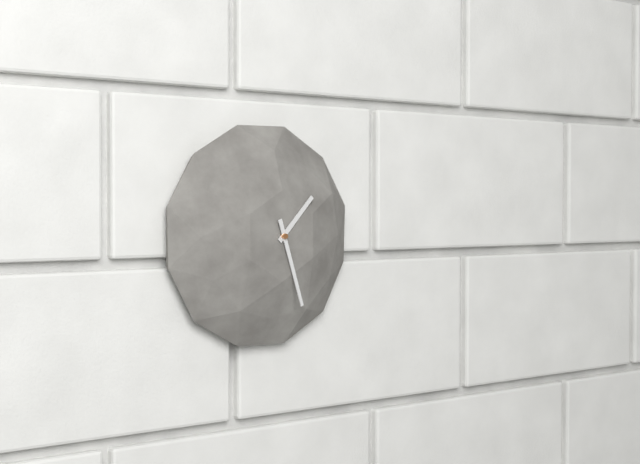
{"hour": 1, "minute": 27}
